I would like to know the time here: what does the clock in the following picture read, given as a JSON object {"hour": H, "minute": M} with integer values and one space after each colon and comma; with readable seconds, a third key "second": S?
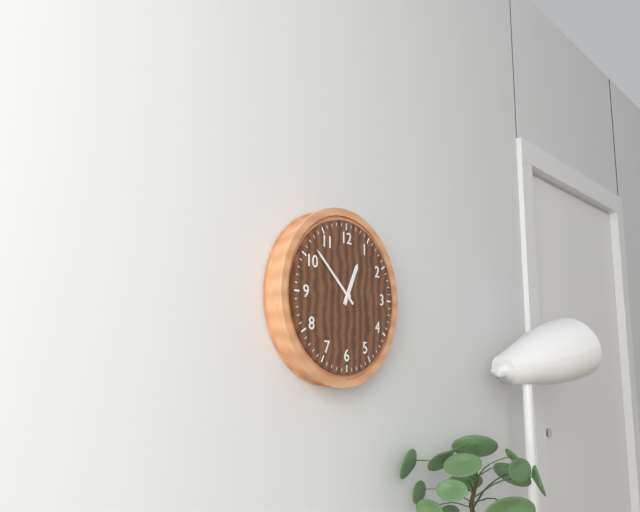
{"hour": 12, "minute": 52}
